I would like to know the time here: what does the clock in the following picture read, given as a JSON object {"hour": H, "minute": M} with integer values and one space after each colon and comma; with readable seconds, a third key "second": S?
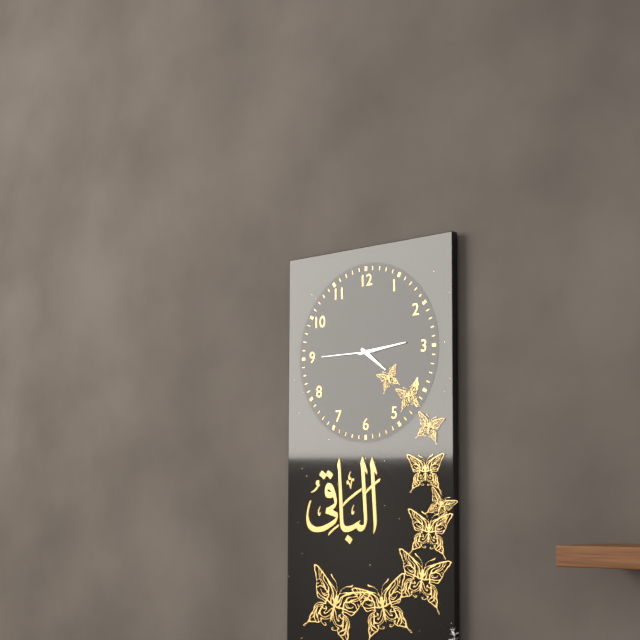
{"hour": 4, "minute": 14, "second": 45}
